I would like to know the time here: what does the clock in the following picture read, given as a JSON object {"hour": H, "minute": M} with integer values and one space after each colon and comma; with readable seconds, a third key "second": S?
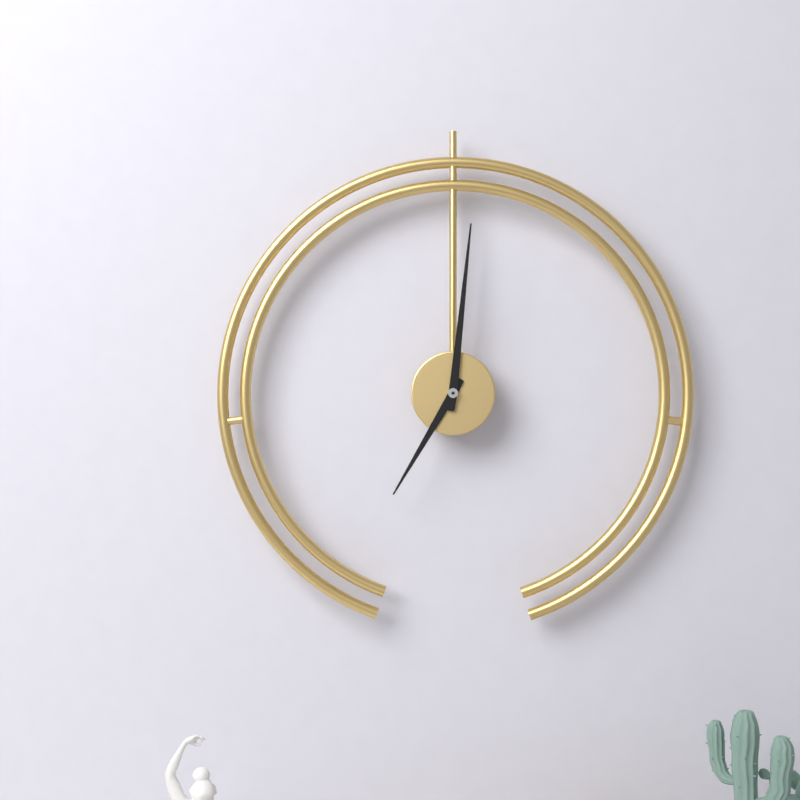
{"hour": 7, "minute": 1}
